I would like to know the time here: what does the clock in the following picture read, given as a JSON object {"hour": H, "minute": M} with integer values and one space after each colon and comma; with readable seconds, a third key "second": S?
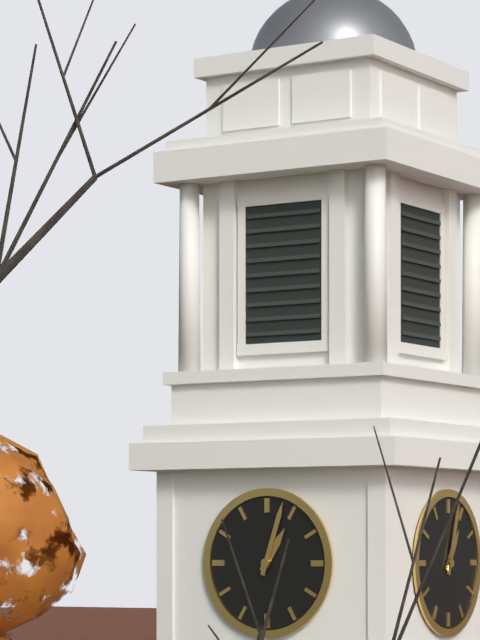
{"hour": 1, "minute": 3}
